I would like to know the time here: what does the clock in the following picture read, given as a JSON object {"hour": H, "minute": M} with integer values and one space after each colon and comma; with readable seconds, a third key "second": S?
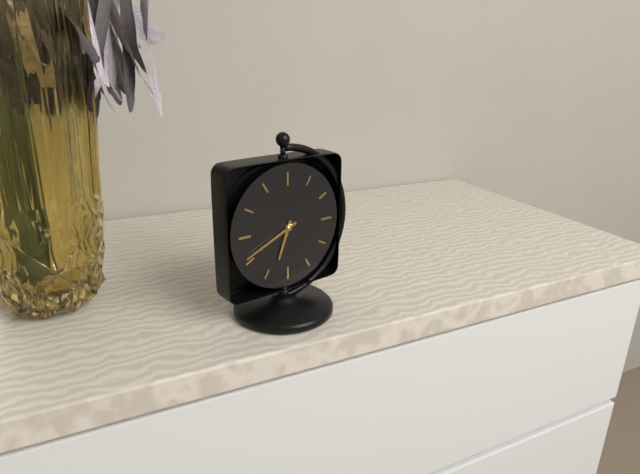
{"hour": 6, "minute": 41}
